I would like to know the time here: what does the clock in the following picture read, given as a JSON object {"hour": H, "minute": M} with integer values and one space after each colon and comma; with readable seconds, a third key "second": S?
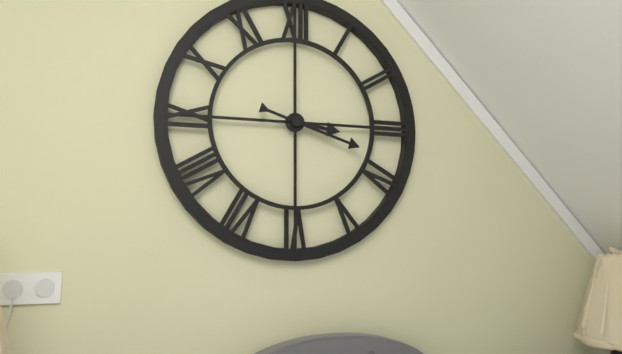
{"hour": 3, "minute": 18}
